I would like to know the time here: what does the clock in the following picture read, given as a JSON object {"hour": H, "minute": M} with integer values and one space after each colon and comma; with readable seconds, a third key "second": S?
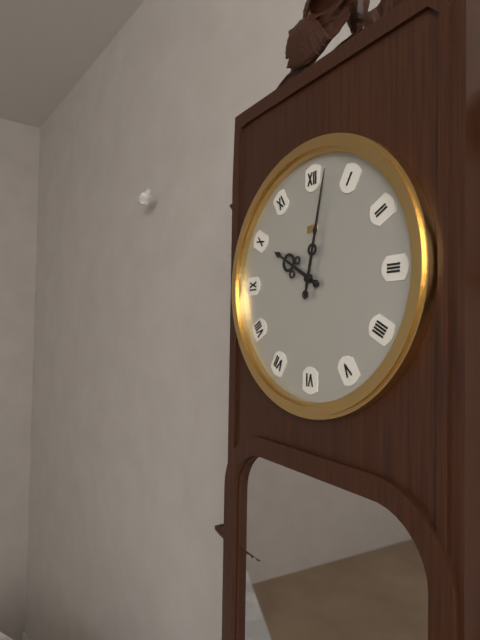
{"hour": 10, "minute": 2}
